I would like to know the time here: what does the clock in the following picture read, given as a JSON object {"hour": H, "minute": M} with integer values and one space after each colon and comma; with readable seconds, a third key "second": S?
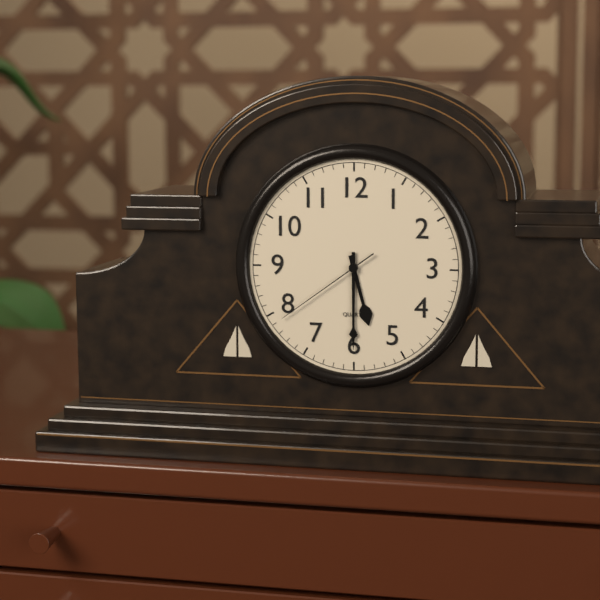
{"hour": 5, "minute": 30, "second": 39}
